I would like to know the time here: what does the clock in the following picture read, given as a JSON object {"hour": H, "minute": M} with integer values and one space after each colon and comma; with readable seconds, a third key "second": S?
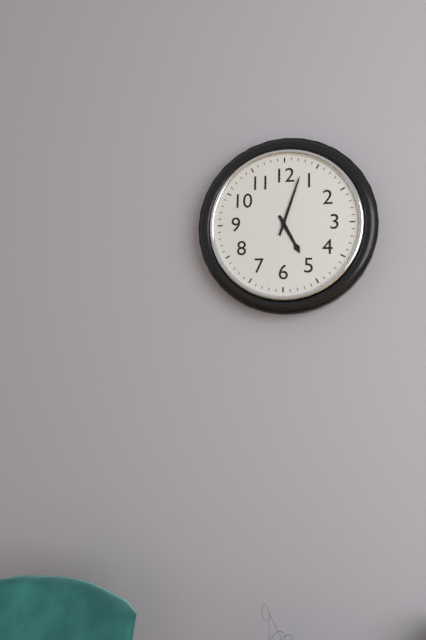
{"hour": 5, "minute": 3}
